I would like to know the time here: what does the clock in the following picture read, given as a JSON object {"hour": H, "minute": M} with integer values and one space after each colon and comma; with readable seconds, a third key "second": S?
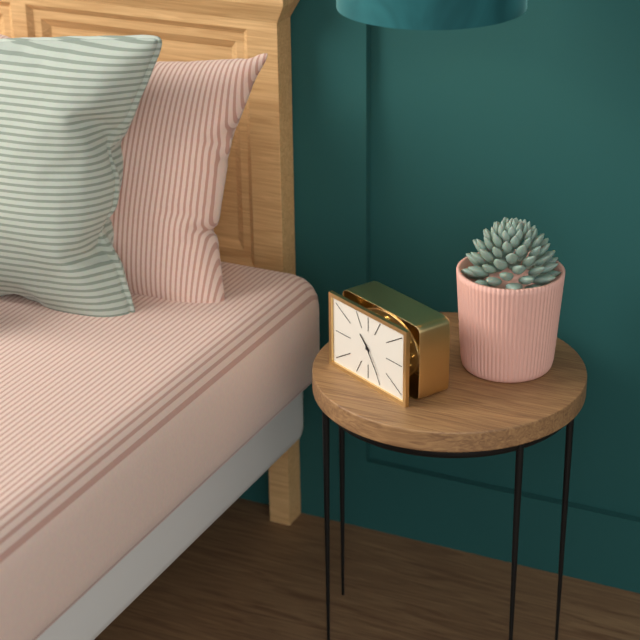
{"hour": 10, "minute": 24}
